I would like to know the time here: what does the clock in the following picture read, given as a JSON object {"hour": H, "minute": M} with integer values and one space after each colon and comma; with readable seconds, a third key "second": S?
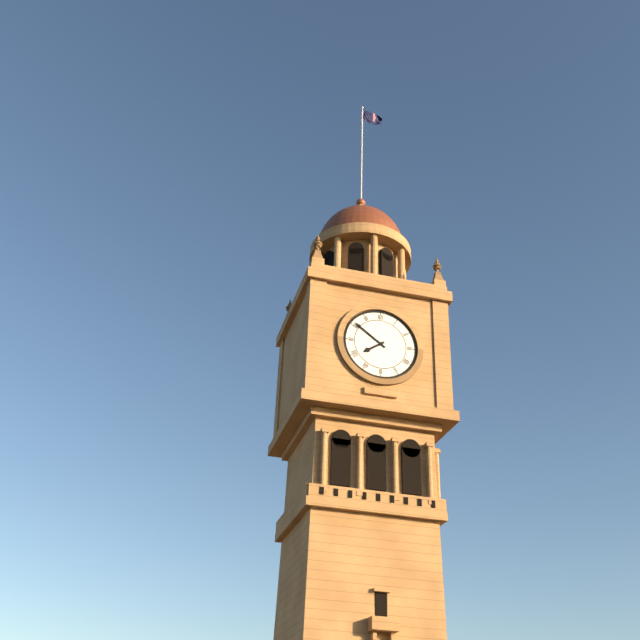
{"hour": 7, "minute": 51}
